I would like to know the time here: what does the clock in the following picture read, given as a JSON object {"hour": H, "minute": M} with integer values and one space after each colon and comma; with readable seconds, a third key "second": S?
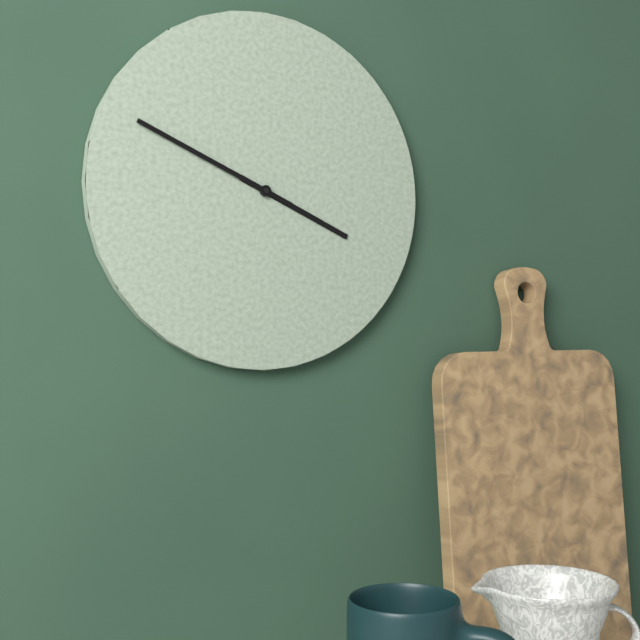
{"hour": 3, "minute": 49}
